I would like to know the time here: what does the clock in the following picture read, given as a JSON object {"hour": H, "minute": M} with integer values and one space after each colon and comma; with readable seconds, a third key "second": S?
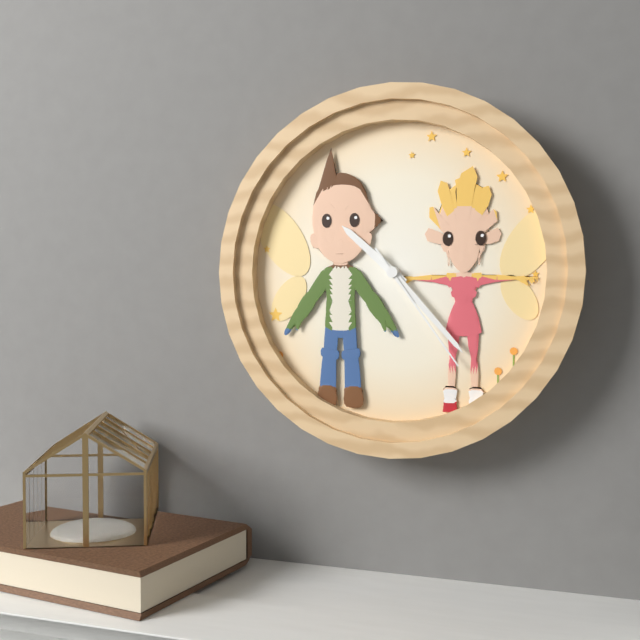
{"hour": 10, "minute": 23, "second": 24}
